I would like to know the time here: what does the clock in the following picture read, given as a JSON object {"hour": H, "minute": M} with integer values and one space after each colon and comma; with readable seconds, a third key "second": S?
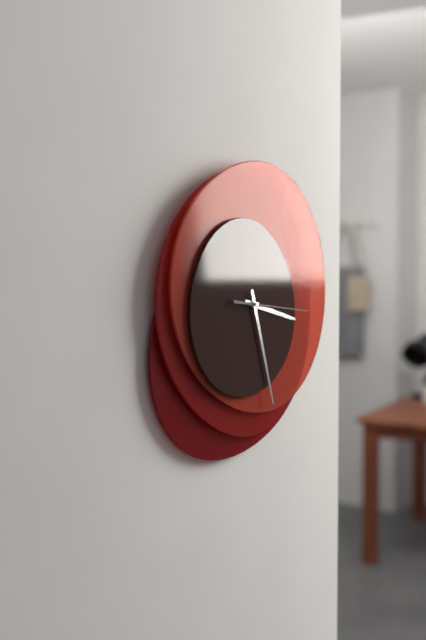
{"hour": 3, "minute": 27, "second": 16}
